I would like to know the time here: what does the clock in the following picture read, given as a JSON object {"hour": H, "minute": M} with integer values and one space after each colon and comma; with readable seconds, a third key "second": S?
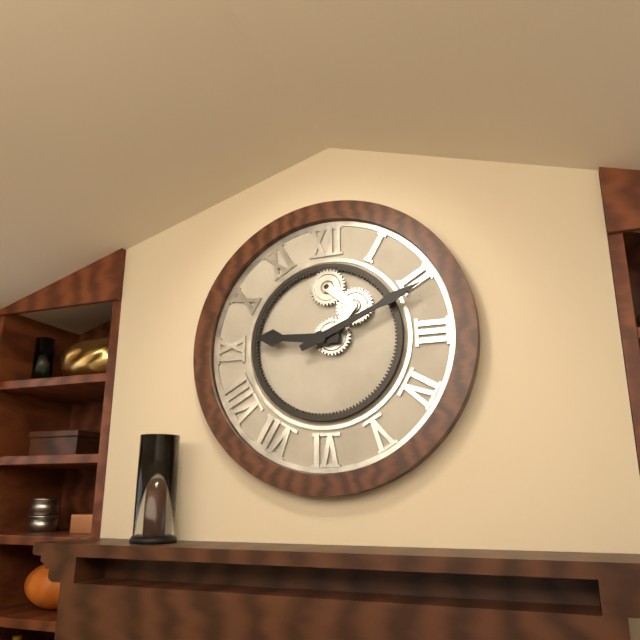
{"hour": 9, "minute": 11}
